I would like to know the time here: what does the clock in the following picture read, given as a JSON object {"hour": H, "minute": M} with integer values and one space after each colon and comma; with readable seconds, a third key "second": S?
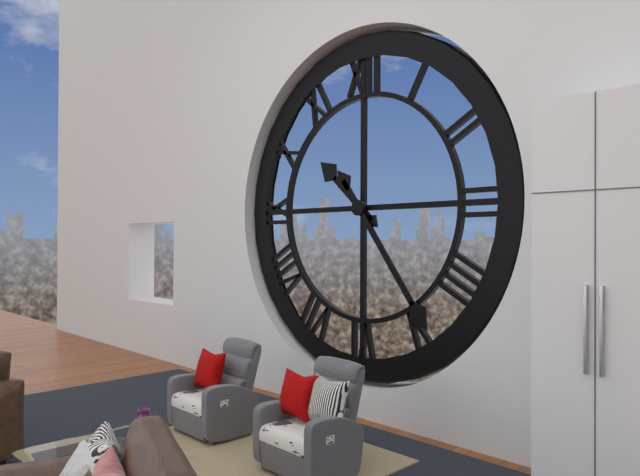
{"hour": 10, "minute": 24}
